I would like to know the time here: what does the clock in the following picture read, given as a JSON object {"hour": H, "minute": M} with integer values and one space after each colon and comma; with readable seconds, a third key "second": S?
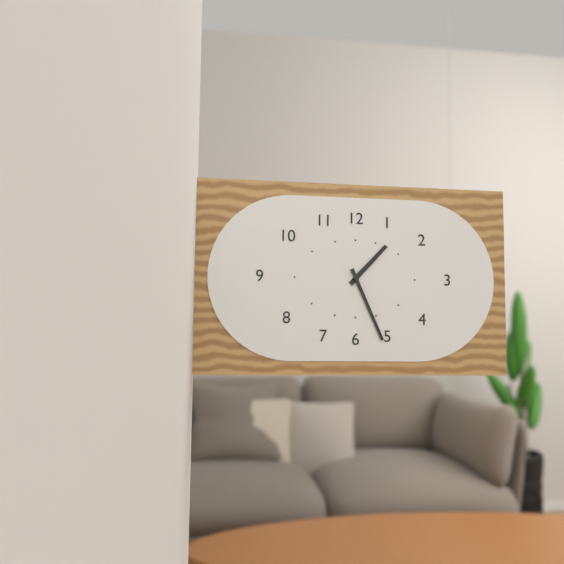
{"hour": 1, "minute": 26}
